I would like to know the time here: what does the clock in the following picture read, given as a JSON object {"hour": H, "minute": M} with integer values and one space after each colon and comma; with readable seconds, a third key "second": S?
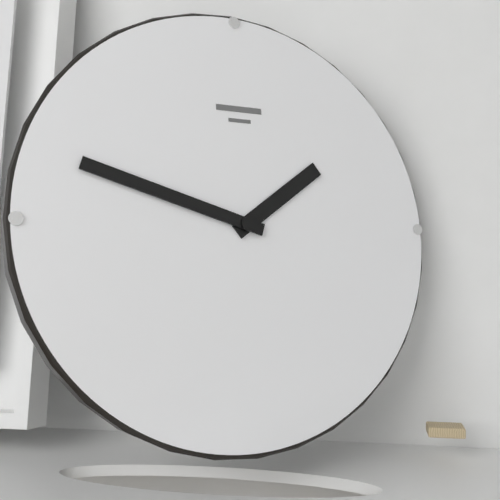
{"hour": 1, "minute": 48}
